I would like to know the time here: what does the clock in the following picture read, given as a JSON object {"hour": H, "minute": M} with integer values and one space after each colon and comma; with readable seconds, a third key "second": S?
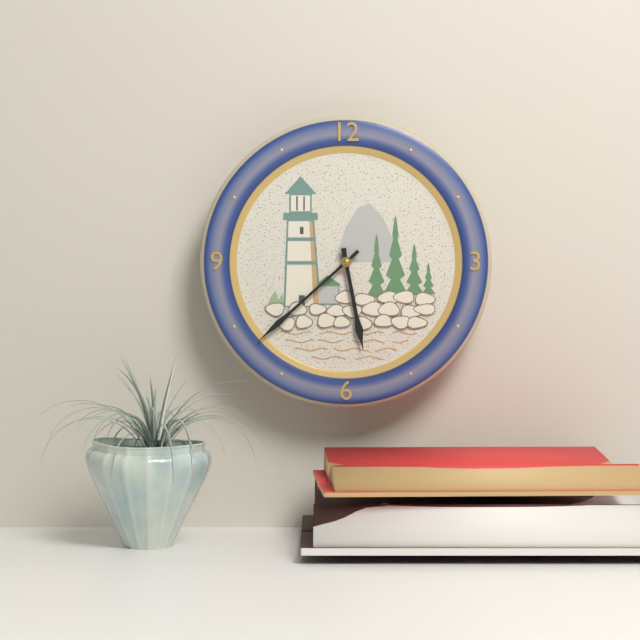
{"hour": 5, "minute": 38}
